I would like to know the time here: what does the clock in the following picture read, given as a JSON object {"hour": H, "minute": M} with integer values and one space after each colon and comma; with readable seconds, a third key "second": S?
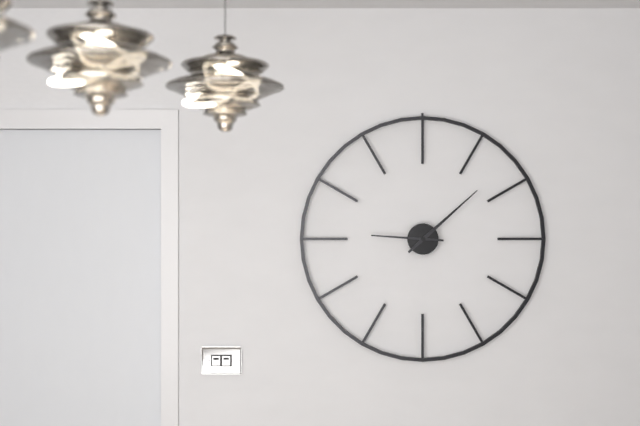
{"hour": 9, "minute": 8}
